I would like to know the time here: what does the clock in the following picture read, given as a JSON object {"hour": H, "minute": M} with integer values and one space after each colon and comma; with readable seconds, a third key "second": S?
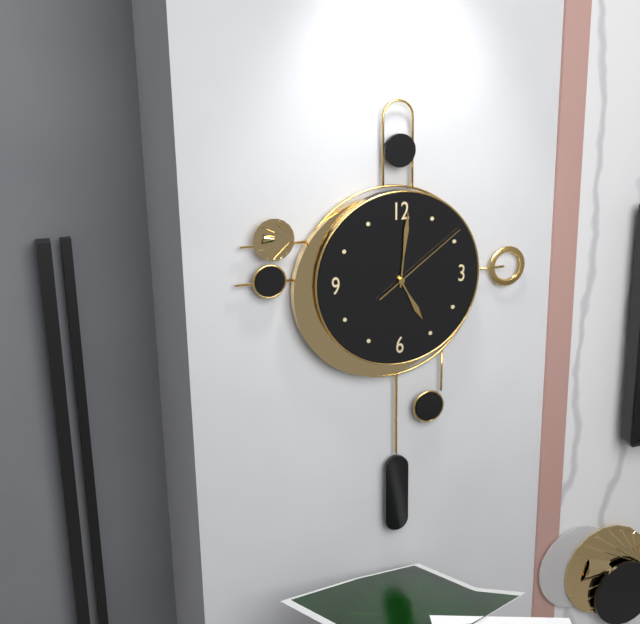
{"hour": 5, "minute": 1, "second": 9}
